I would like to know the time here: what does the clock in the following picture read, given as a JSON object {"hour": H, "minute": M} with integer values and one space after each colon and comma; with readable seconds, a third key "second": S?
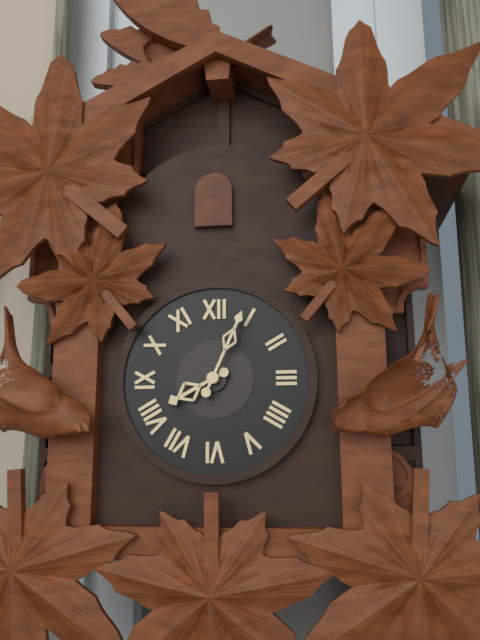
{"hour": 8, "minute": 4}
